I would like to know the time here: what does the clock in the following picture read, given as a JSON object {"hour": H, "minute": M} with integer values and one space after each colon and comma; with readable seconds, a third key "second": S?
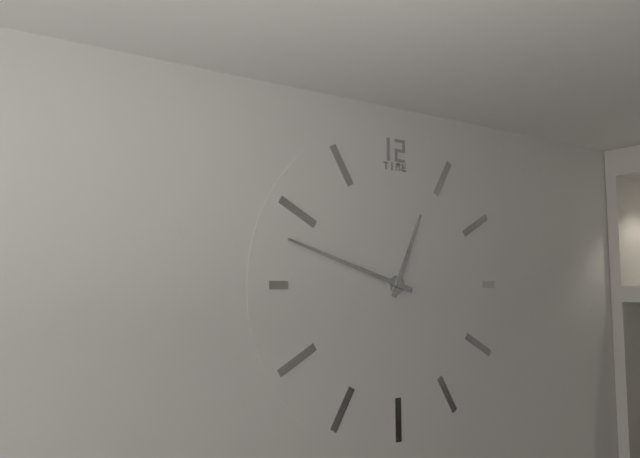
{"hour": 12, "minute": 48}
